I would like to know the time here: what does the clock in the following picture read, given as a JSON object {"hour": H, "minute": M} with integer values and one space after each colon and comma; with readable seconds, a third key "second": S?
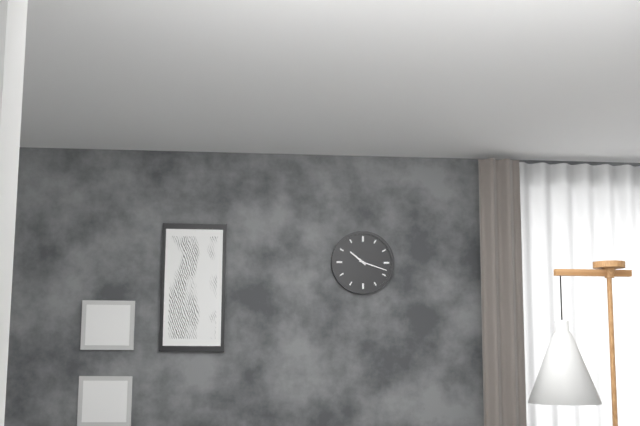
{"hour": 10, "minute": 18}
